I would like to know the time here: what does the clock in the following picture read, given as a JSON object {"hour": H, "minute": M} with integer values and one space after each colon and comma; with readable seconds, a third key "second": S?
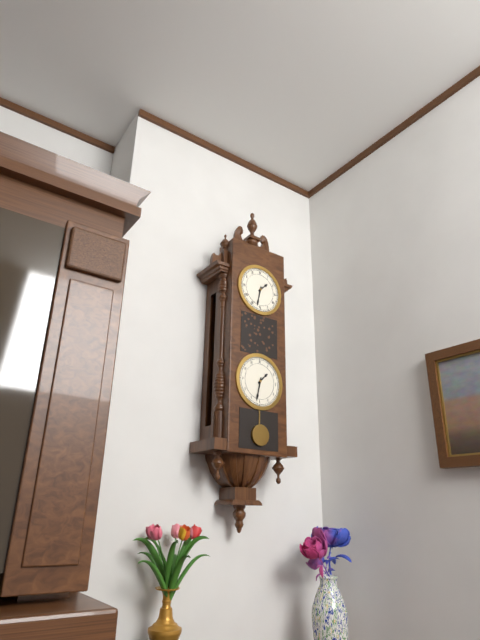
{"hour": 1, "minute": 32}
